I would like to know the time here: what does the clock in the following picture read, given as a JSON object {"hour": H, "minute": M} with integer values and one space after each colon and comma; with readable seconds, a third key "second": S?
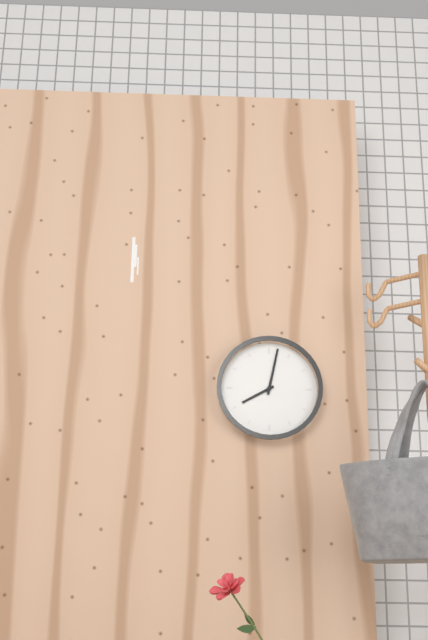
{"hour": 8, "minute": 2}
